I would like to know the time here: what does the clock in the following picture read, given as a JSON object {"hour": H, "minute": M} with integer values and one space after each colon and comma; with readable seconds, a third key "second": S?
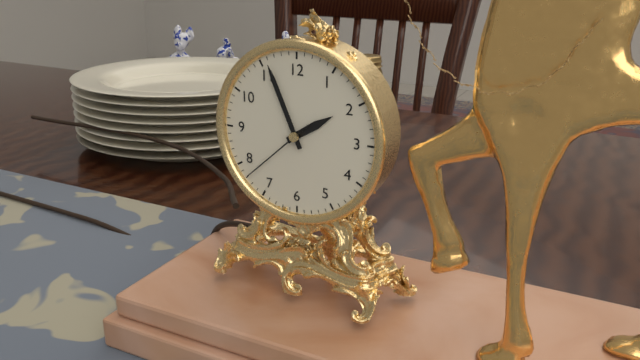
{"hour": 1, "minute": 56, "second": 38}
